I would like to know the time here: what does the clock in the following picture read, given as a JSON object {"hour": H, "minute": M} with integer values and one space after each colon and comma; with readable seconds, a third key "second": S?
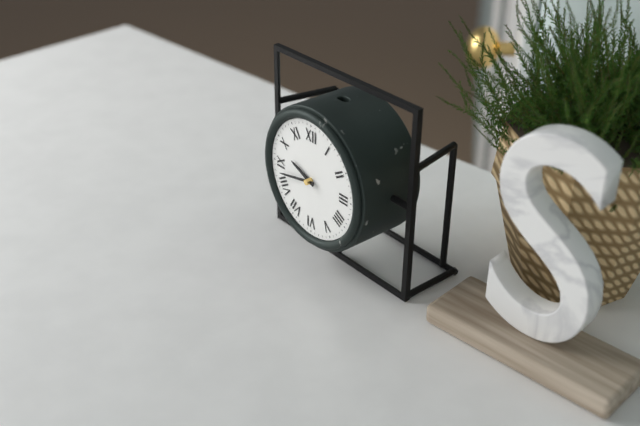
{"hour": 9, "minute": 43}
